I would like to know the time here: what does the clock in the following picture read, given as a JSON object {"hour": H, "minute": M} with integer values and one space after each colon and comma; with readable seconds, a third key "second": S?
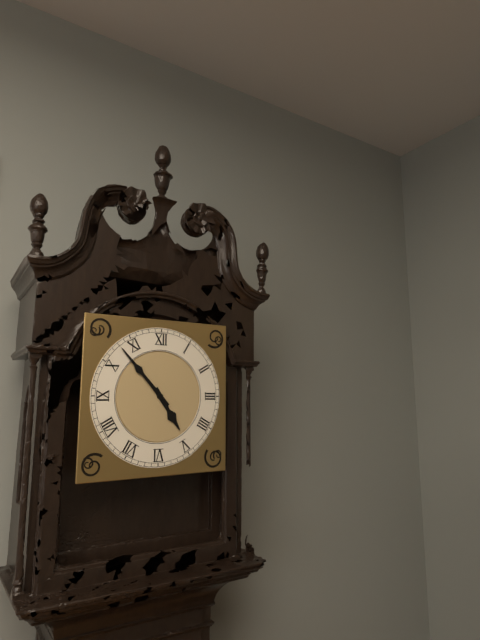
{"hour": 4, "minute": 53}
